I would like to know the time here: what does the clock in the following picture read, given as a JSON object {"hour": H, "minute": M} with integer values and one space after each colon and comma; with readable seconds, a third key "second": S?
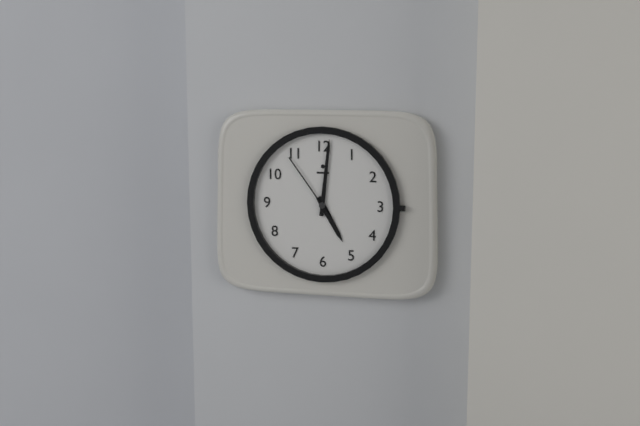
{"hour": 5, "minute": 1, "second": 54}
